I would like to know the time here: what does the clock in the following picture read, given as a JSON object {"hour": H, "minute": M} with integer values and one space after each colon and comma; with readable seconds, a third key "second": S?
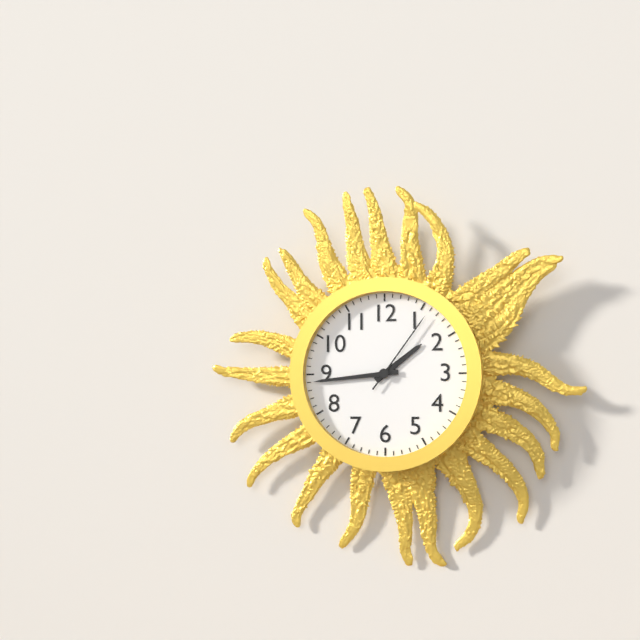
{"hour": 1, "minute": 44, "second": 6}
